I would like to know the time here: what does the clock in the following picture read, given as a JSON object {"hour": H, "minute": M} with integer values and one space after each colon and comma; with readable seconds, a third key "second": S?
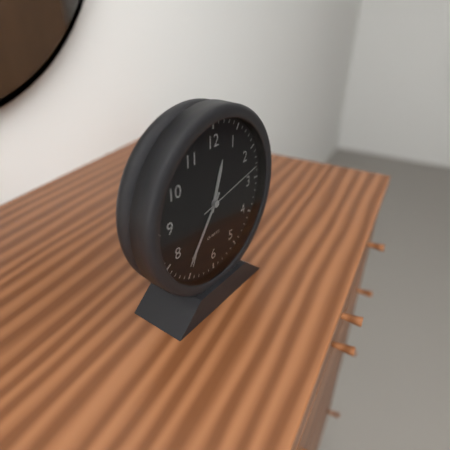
{"hour": 12, "minute": 36, "second": 13}
